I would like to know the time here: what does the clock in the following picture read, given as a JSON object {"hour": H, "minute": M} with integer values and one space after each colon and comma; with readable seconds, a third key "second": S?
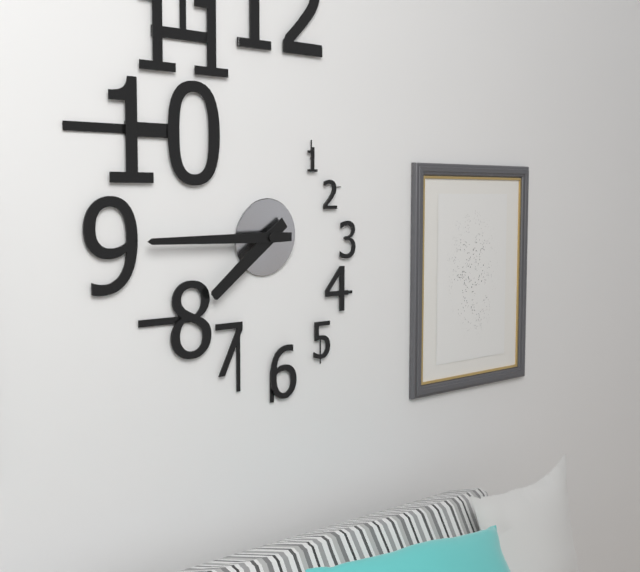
{"hour": 7, "minute": 45}
